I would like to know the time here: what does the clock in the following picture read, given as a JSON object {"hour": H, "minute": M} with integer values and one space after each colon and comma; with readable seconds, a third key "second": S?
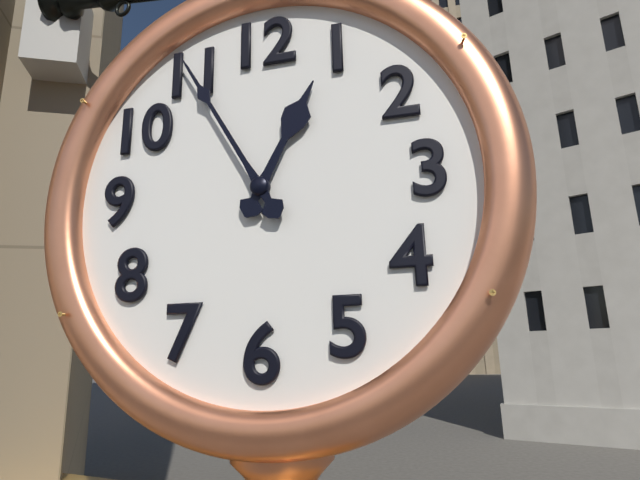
{"hour": 12, "minute": 55}
